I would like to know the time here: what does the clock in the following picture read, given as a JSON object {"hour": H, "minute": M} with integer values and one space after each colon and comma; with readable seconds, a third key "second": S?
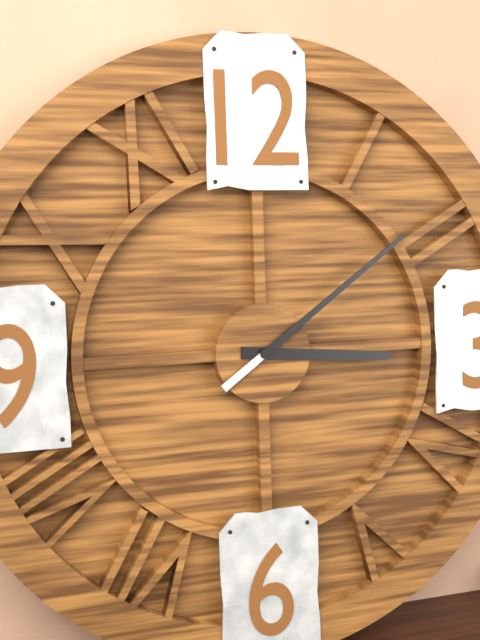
{"hour": 3, "minute": 9}
